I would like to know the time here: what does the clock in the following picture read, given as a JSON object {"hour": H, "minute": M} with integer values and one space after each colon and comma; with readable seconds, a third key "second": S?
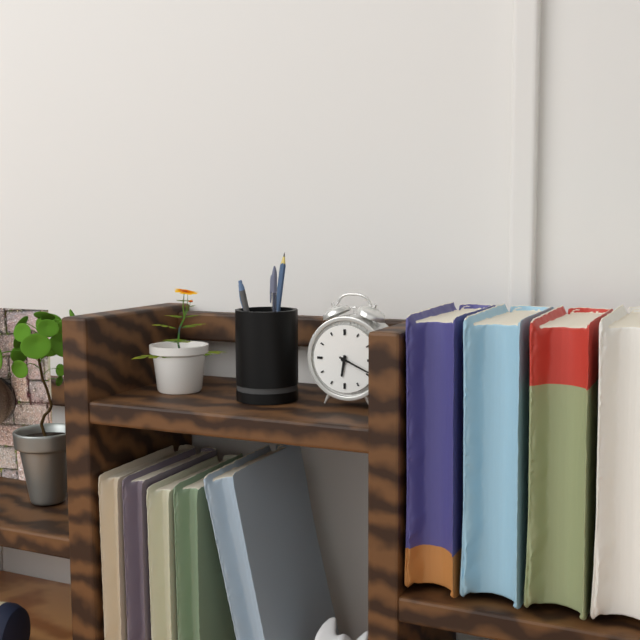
{"hour": 6, "minute": 19}
